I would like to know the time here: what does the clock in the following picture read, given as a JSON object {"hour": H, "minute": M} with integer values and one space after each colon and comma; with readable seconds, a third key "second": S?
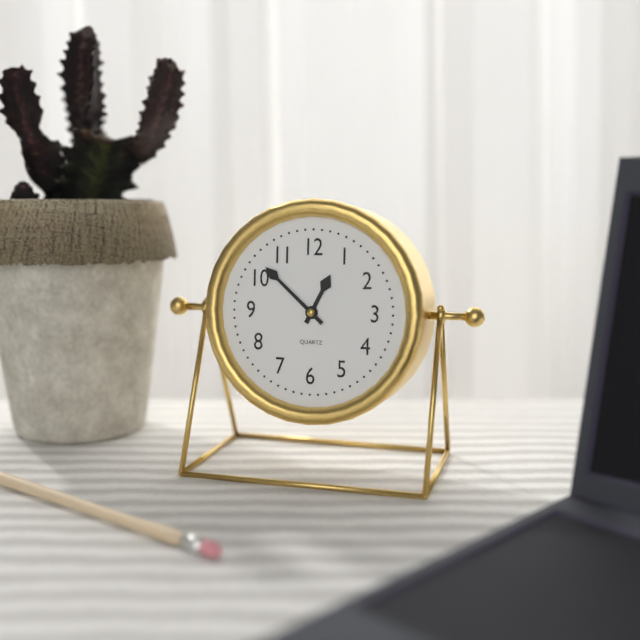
{"hour": 12, "minute": 52}
